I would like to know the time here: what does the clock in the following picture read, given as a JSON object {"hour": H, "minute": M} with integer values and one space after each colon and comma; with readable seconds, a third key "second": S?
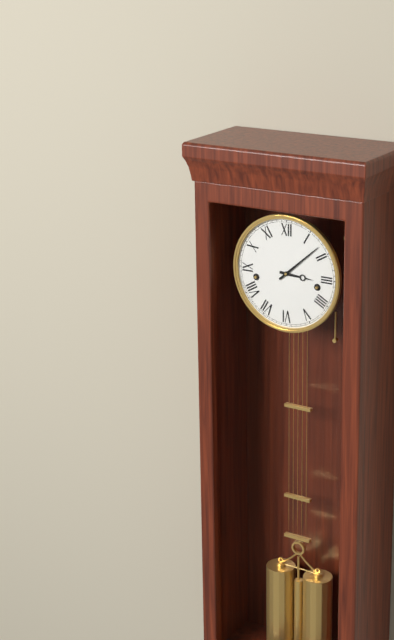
{"hour": 3, "minute": 8}
